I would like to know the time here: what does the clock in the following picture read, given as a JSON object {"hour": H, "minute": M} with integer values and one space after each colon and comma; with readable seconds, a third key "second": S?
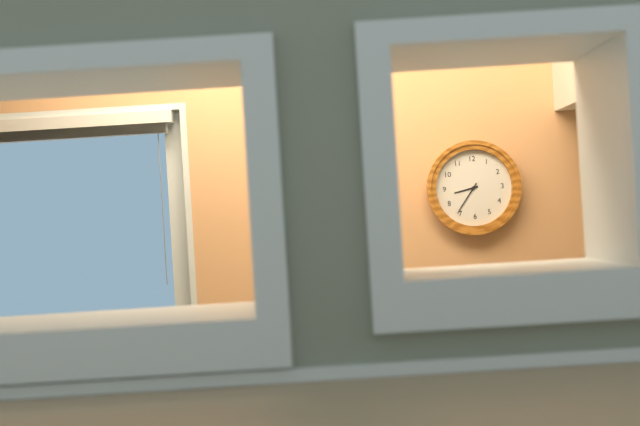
{"hour": 8, "minute": 36}
